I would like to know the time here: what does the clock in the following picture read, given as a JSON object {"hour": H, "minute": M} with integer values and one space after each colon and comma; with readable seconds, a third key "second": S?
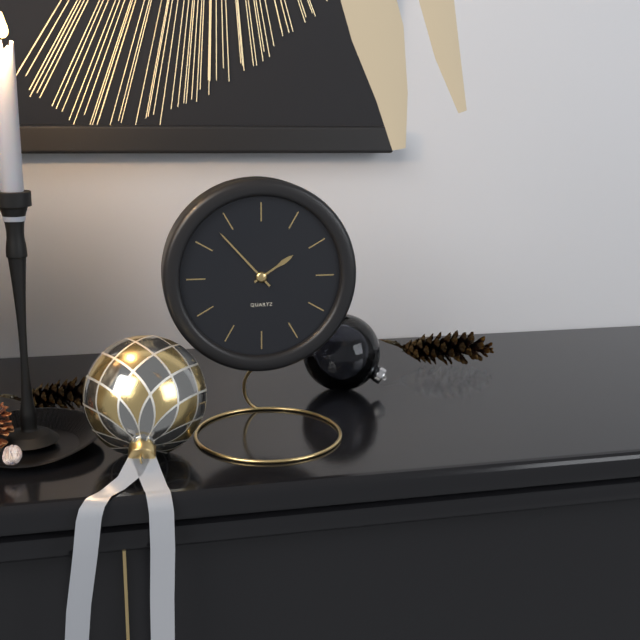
{"hour": 1, "minute": 53}
